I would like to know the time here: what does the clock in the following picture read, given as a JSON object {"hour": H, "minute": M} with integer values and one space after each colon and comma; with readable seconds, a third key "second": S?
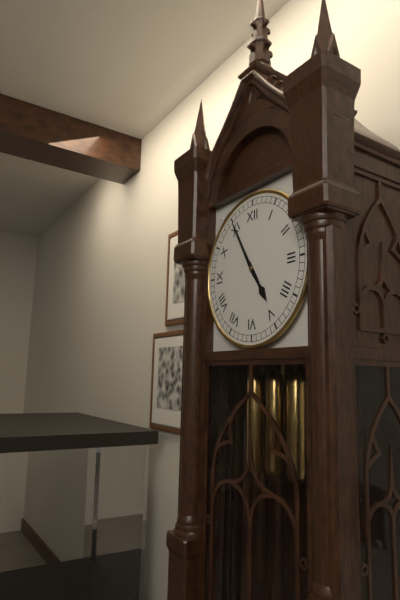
{"hour": 4, "minute": 55}
